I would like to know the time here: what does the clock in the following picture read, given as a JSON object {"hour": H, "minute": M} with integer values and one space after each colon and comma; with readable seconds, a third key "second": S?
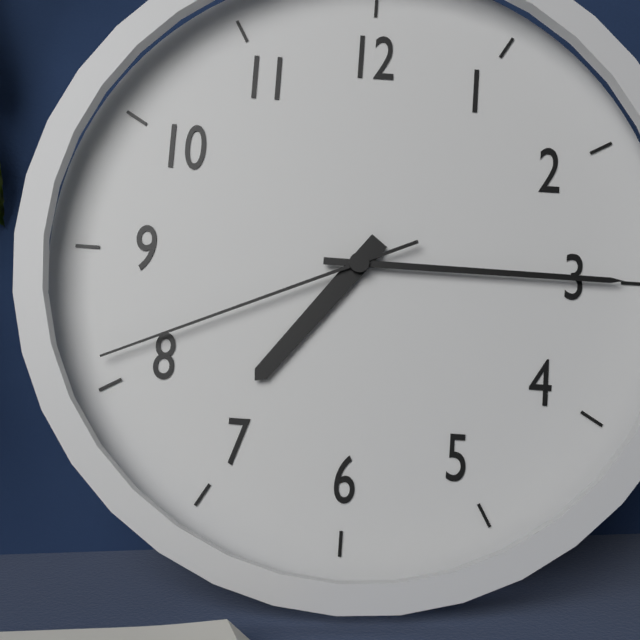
{"hour": 7, "minute": 15, "second": 41}
